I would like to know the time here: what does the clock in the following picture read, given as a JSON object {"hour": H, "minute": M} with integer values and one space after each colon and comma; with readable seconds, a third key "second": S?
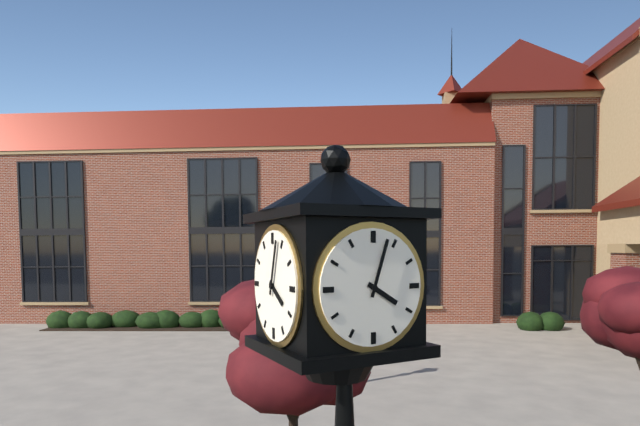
{"hour": 4, "minute": 3}
